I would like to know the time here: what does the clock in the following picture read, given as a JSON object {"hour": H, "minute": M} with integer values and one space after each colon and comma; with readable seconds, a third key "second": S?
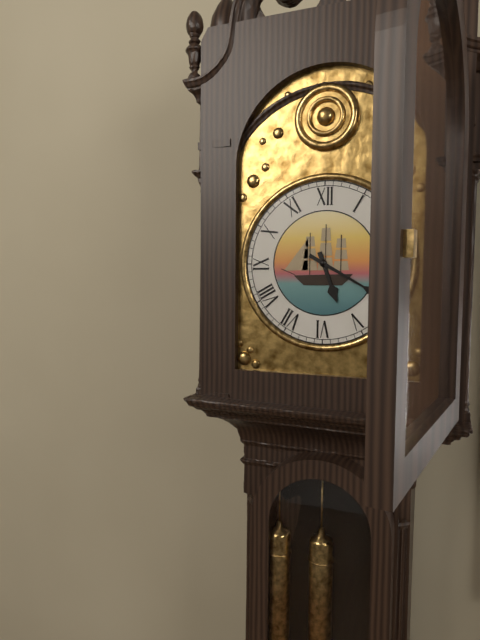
{"hour": 5, "minute": 20}
